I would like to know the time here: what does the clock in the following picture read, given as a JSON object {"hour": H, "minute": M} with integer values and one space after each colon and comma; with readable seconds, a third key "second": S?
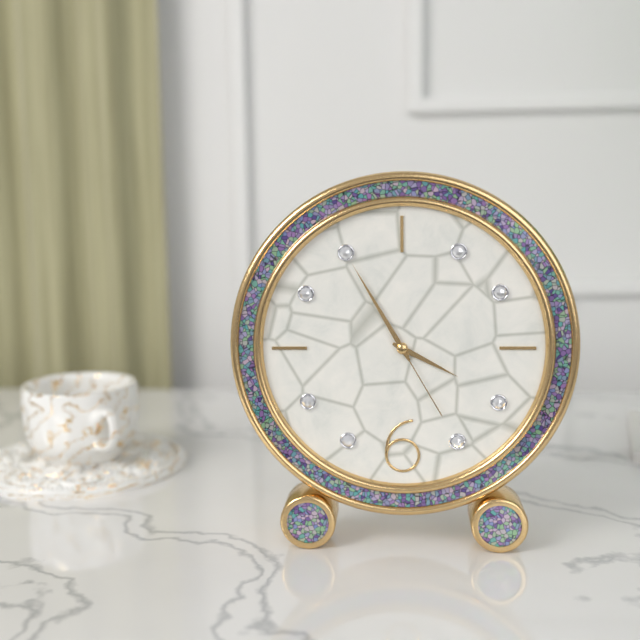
{"hour": 3, "minute": 55, "second": 25}
